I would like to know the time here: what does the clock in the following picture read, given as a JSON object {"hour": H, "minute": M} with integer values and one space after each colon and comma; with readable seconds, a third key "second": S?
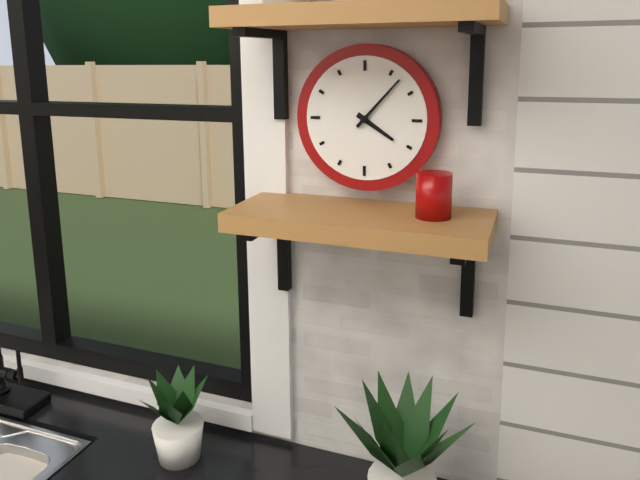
{"hour": 4, "minute": 7}
